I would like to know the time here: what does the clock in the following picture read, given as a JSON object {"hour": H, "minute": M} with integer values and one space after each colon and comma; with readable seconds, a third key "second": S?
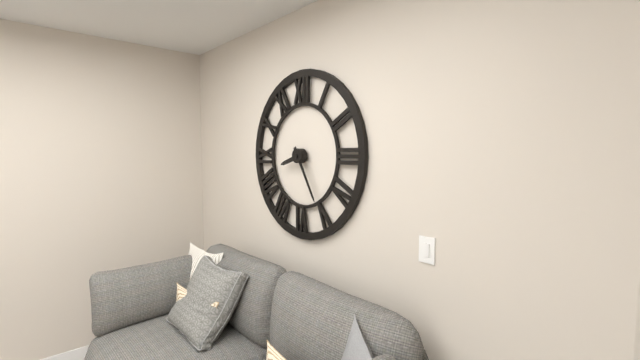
{"hour": 8, "minute": 25}
